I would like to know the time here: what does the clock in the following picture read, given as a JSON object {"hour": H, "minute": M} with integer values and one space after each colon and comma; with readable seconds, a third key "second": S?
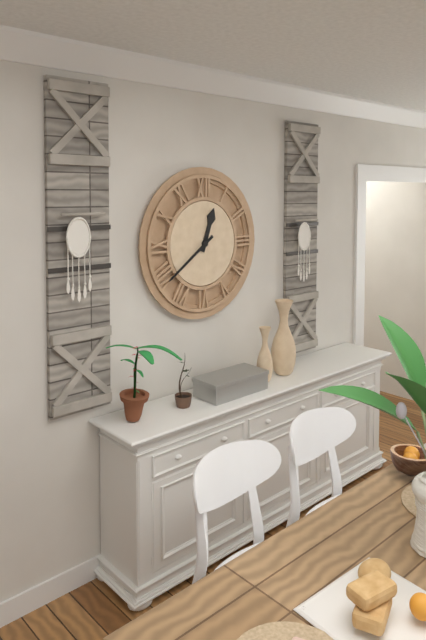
{"hour": 12, "minute": 39}
